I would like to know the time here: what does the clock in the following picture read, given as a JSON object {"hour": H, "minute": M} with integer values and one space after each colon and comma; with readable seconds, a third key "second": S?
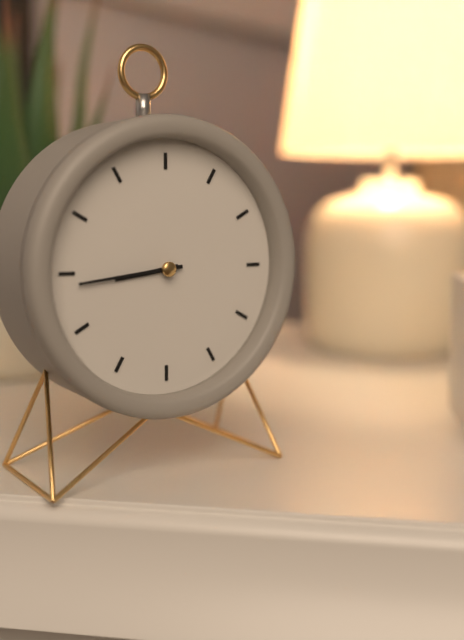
{"hour": 8, "minute": 44}
